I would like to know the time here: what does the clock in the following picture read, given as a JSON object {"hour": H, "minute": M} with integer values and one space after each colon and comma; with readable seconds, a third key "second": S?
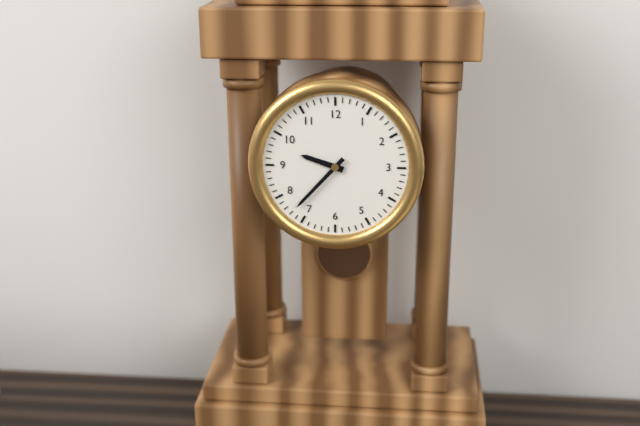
{"hour": 9, "minute": 37}
